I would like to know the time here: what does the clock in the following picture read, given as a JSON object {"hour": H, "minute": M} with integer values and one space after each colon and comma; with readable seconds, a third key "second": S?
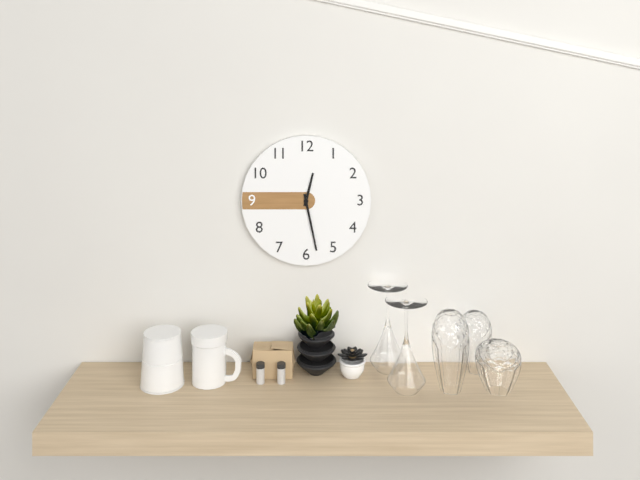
{"hour": 12, "minute": 28}
